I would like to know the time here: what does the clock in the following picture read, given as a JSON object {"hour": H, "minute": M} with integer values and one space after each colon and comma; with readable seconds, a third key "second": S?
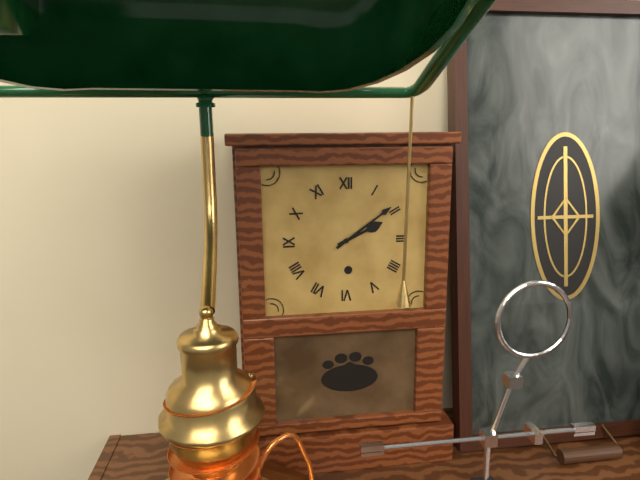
{"hour": 2, "minute": 9}
